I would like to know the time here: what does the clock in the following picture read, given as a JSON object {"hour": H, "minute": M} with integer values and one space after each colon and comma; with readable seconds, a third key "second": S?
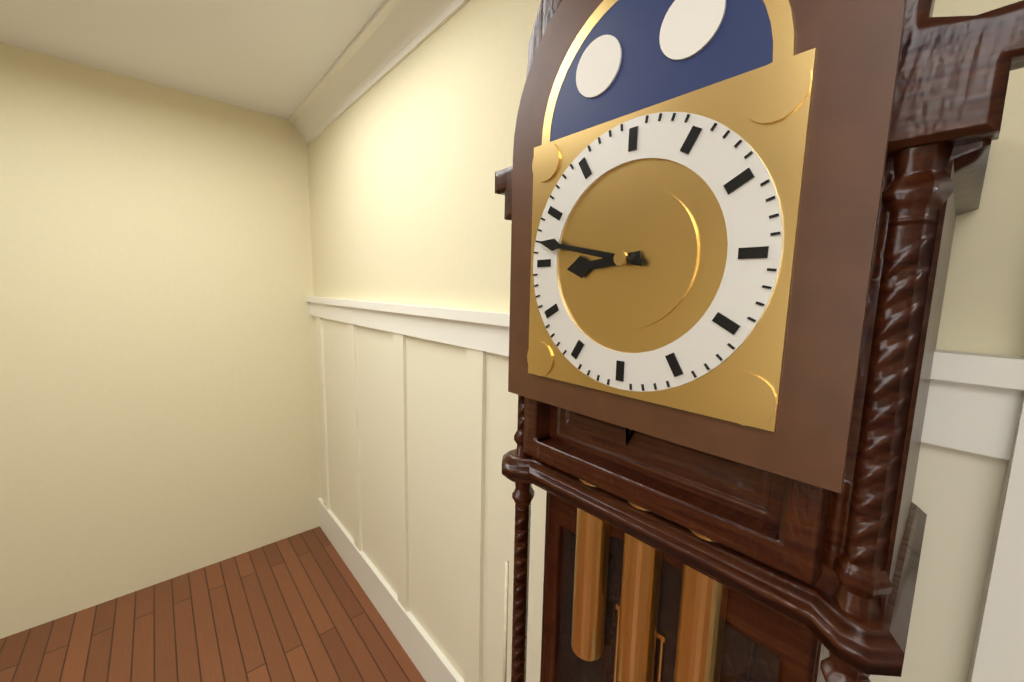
{"hour": 8, "minute": 47}
